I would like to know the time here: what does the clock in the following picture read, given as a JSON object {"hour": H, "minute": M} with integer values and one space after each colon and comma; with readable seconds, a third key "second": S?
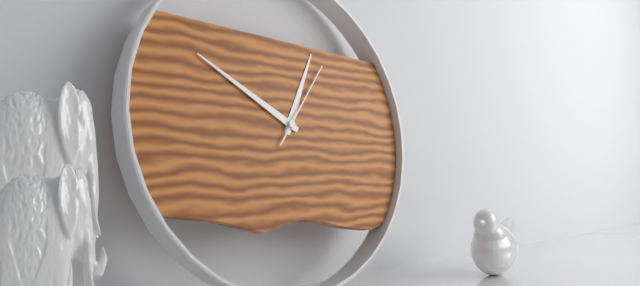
{"hour": 12, "minute": 50, "second": 6}
